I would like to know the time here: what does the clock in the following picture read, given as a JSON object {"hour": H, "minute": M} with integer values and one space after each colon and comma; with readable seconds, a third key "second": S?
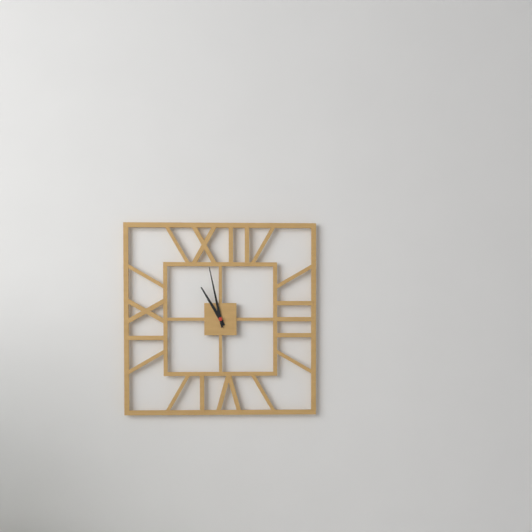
{"hour": 10, "minute": 58}
